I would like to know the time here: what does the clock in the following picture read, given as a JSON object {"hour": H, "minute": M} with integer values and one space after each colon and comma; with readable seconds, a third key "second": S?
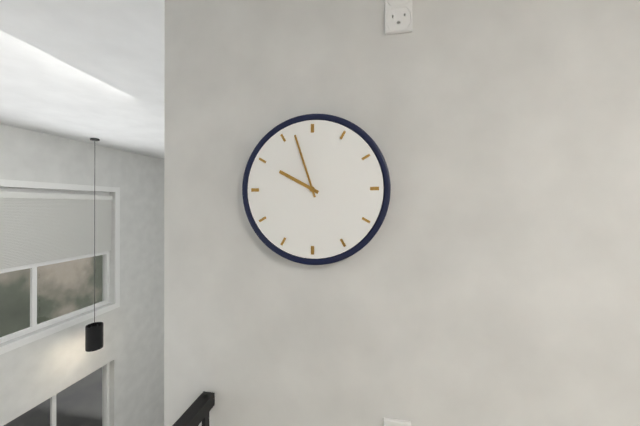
{"hour": 9, "minute": 57}
